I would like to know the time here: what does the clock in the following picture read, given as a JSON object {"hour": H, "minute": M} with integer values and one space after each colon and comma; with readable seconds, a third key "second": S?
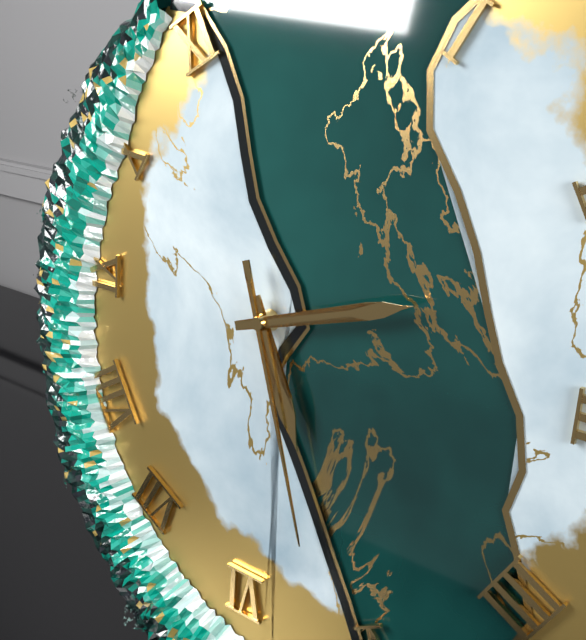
{"hour": 5, "minute": 12, "second": 27}
